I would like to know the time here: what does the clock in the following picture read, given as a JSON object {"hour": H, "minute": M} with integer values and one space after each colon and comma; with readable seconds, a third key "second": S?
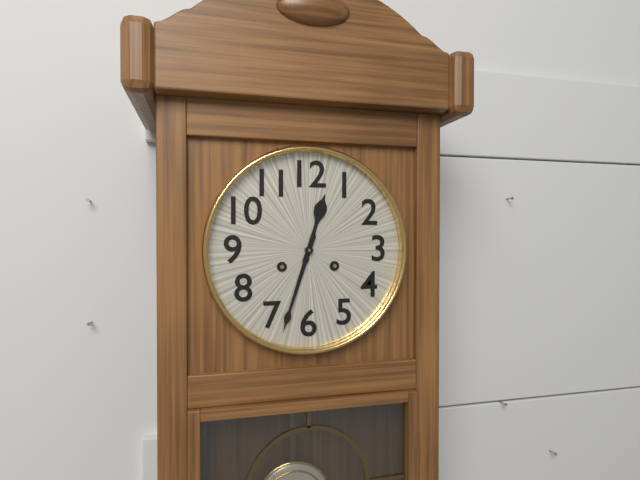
{"hour": 12, "minute": 33}
